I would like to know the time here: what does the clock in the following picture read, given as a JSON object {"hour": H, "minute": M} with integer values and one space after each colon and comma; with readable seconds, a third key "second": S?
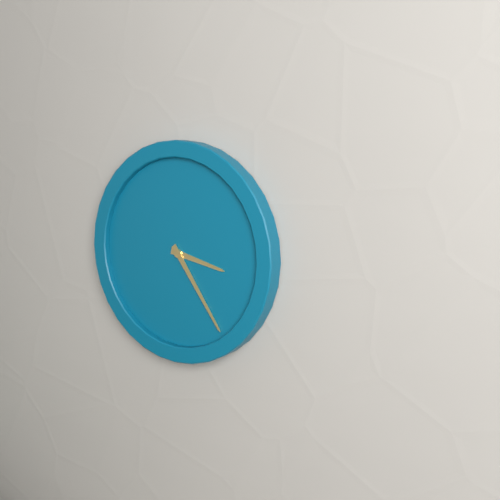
{"hour": 3, "minute": 24}
